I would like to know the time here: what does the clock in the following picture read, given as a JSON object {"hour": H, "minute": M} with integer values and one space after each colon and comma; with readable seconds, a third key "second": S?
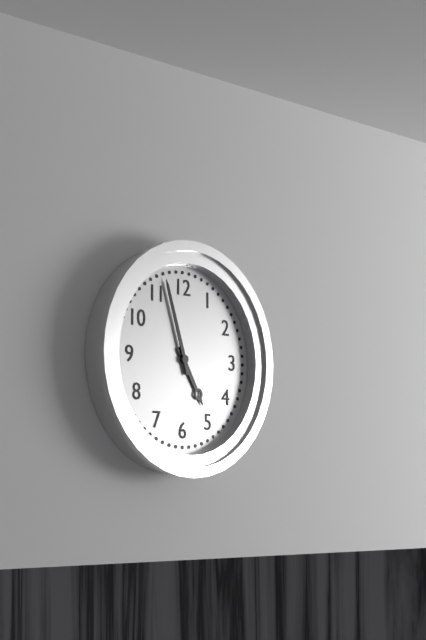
{"hour": 4, "minute": 57}
